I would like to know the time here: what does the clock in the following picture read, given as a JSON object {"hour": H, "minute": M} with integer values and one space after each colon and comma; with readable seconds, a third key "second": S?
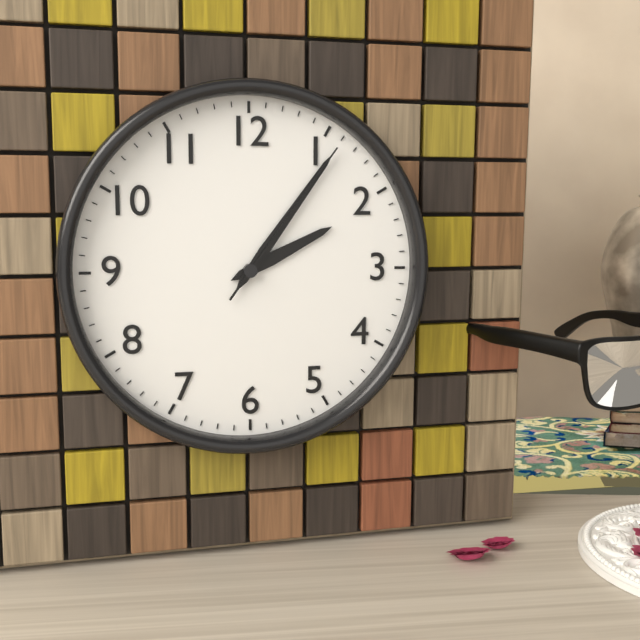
{"hour": 2, "minute": 6, "second": 6}
